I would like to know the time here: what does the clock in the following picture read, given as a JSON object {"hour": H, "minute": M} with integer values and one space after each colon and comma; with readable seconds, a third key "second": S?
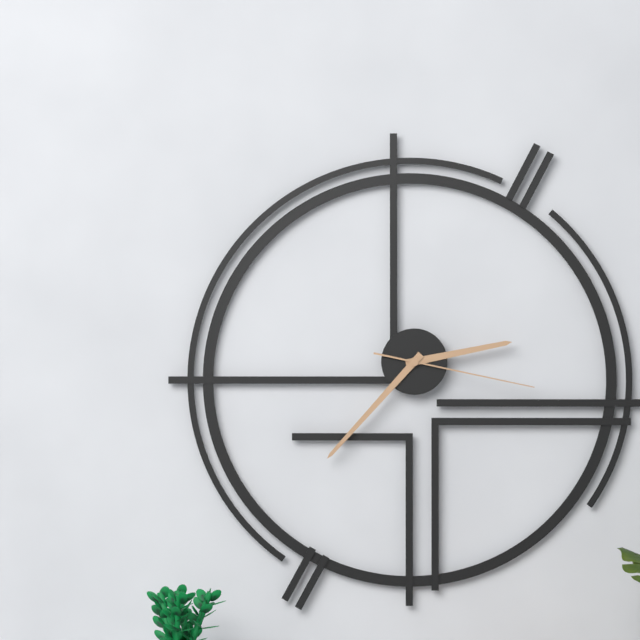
{"hour": 2, "minute": 37, "second": 17}
